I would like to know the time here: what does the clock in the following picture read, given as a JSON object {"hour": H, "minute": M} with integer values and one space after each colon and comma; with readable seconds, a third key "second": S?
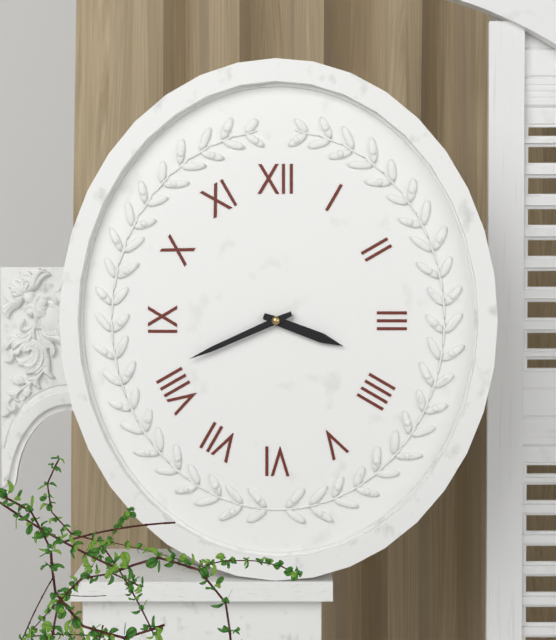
{"hour": 3, "minute": 41}
